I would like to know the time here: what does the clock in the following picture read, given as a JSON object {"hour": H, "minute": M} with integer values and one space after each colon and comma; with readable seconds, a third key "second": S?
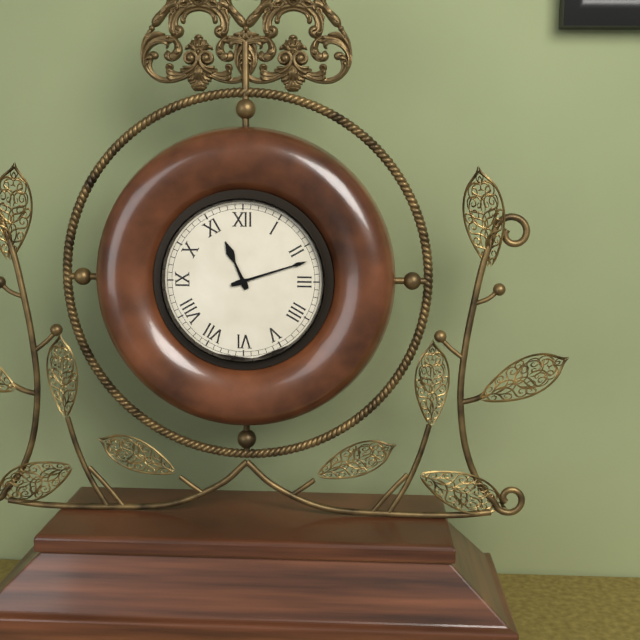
{"hour": 11, "minute": 12}
